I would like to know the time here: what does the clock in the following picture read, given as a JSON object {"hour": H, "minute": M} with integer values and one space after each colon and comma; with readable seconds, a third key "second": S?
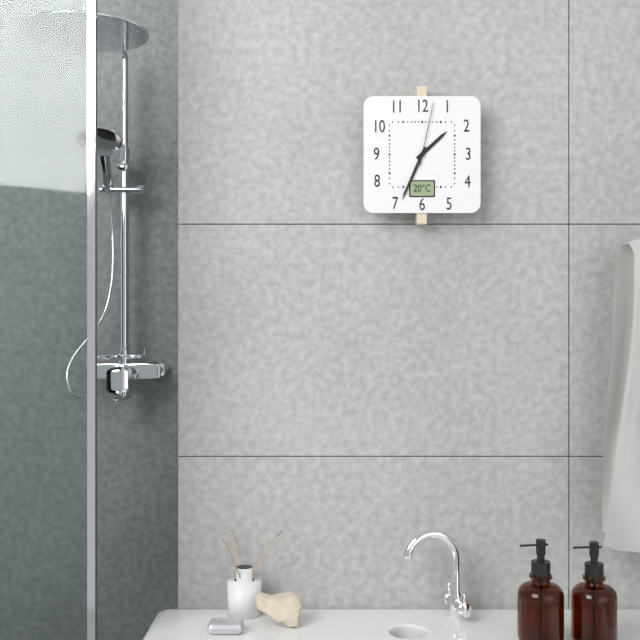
{"hour": 1, "minute": 34, "second": 2}
